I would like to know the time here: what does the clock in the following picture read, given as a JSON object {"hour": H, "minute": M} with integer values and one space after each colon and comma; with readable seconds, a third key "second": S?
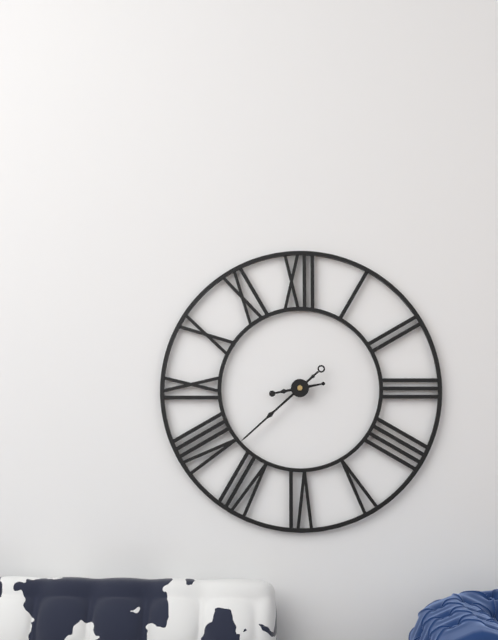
{"hour": 8, "minute": 38}
